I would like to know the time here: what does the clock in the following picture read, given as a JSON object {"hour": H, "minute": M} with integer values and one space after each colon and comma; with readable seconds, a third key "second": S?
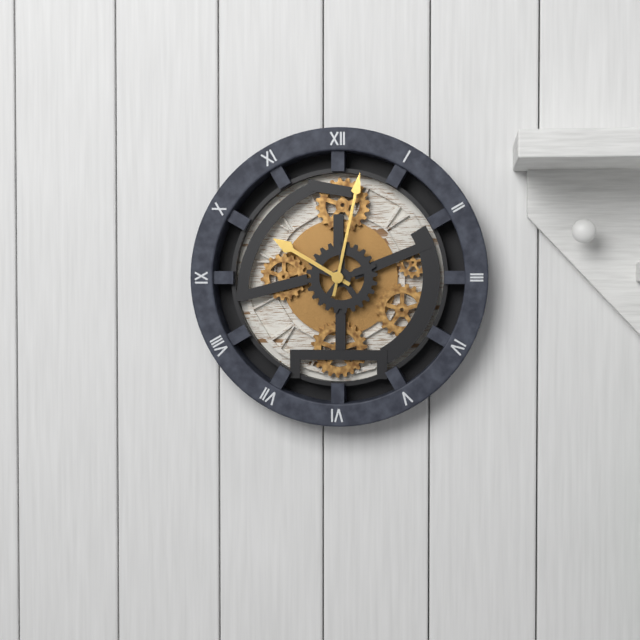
{"hour": 10, "minute": 2}
